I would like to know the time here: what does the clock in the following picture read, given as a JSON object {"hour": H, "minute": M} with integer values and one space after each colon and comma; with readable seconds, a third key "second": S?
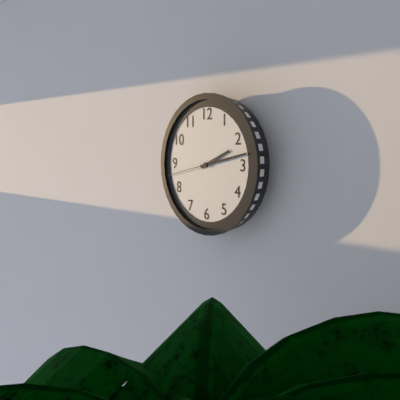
{"hour": 2, "minute": 13, "second": 43}
